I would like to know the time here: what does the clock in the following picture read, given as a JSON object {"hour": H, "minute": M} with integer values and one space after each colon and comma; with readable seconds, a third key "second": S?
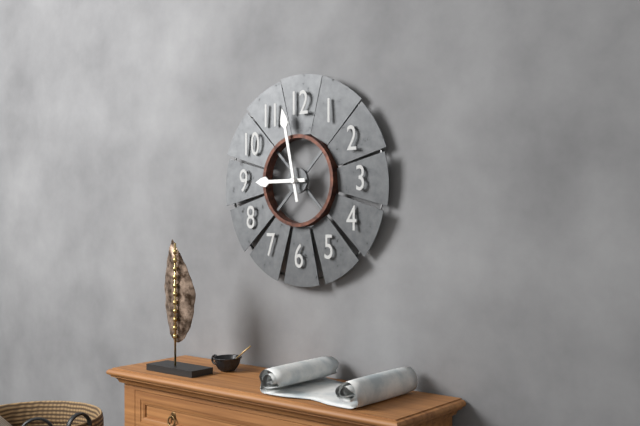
{"hour": 8, "minute": 58}
